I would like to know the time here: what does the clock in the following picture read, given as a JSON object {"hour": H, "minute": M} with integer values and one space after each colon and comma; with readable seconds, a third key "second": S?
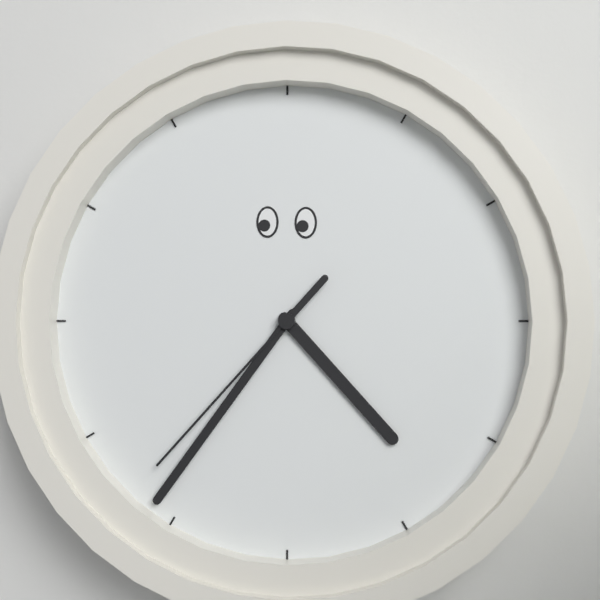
{"hour": 4, "minute": 36, "second": 37}
